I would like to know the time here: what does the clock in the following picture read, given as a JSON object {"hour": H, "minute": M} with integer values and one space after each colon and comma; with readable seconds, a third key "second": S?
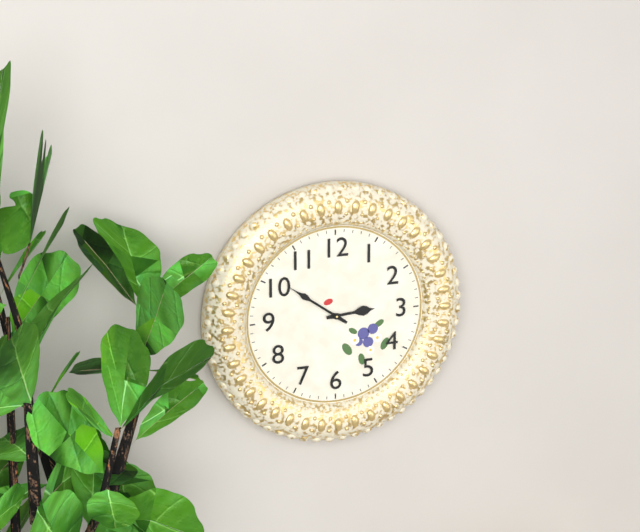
{"hour": 2, "minute": 51}
